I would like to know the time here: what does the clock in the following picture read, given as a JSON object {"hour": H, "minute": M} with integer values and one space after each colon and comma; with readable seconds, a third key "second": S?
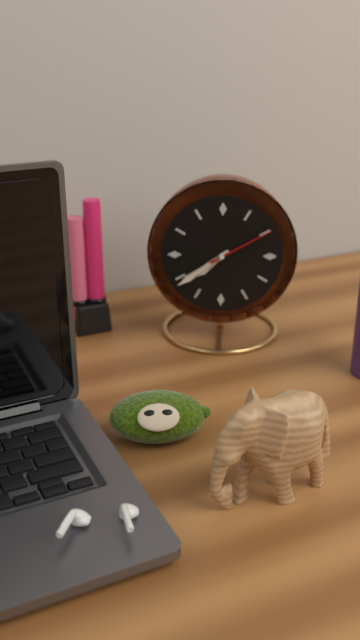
{"hour": 7, "minute": 39, "second": 10}
